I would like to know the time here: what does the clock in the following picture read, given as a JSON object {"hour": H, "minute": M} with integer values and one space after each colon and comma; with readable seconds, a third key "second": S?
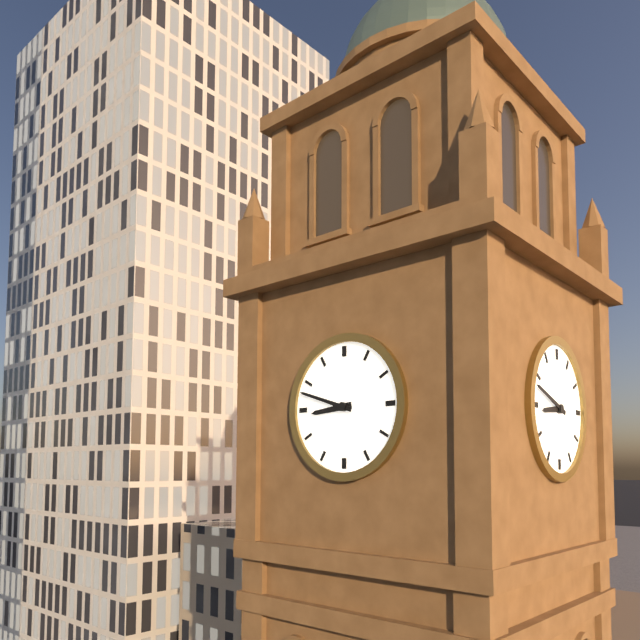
{"hour": 8, "minute": 48}
